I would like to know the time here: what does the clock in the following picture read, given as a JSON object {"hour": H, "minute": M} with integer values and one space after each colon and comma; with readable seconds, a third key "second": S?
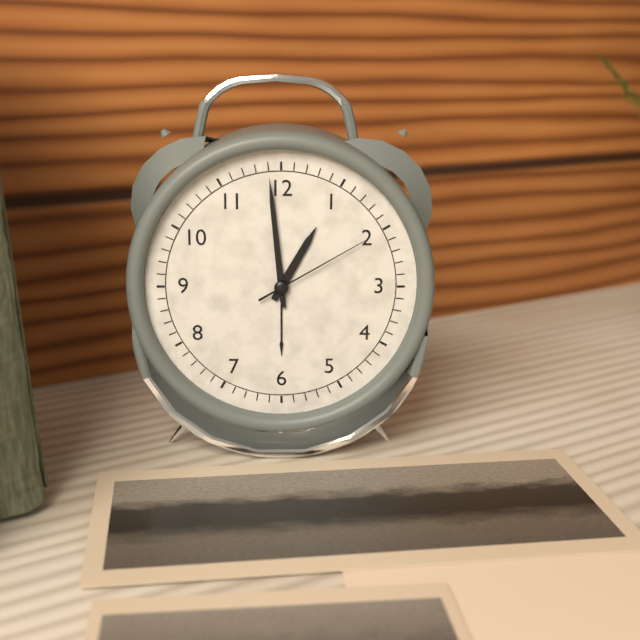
{"hour": 12, "minute": 59, "second": 10}
